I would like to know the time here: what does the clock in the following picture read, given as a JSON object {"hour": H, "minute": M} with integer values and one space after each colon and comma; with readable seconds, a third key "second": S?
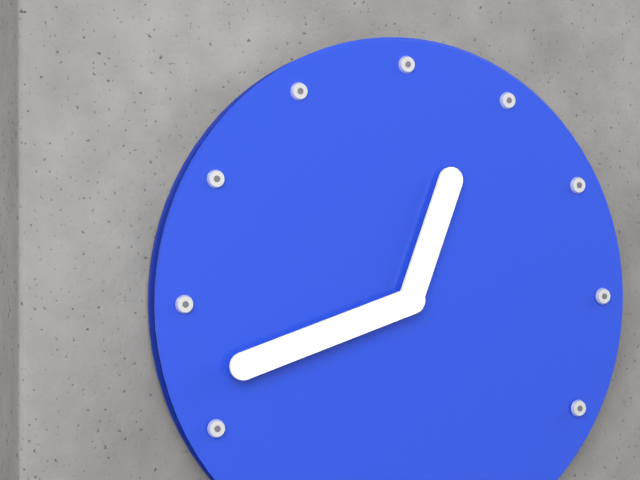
{"hour": 12, "minute": 42}
